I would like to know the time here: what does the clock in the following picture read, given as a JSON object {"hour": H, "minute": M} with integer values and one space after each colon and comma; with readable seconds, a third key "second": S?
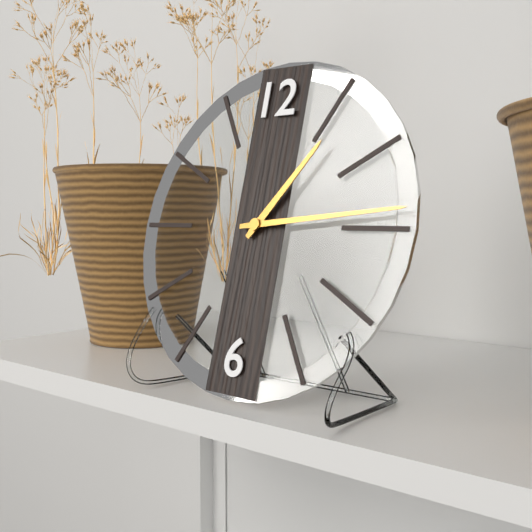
{"hour": 1, "minute": 14}
